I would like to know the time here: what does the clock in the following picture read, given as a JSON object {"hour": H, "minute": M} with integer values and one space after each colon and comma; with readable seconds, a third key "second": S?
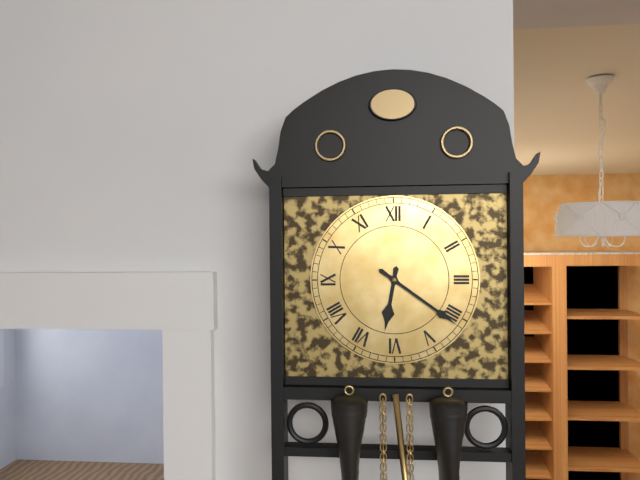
{"hour": 6, "minute": 21}
